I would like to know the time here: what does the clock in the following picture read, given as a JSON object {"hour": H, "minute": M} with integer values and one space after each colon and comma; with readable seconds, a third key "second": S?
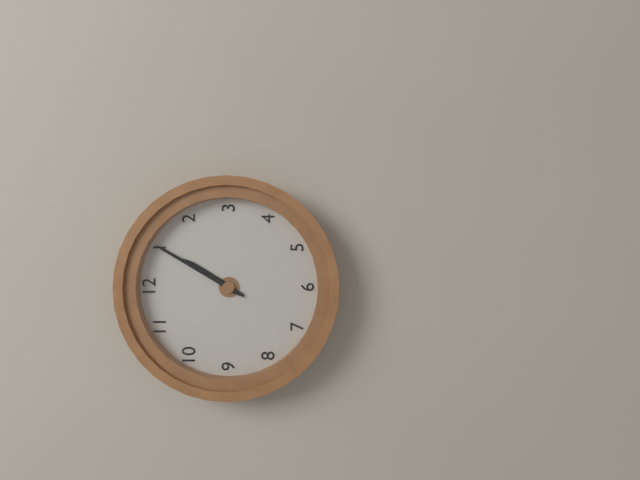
{"hour": 1, "minute": 5}
